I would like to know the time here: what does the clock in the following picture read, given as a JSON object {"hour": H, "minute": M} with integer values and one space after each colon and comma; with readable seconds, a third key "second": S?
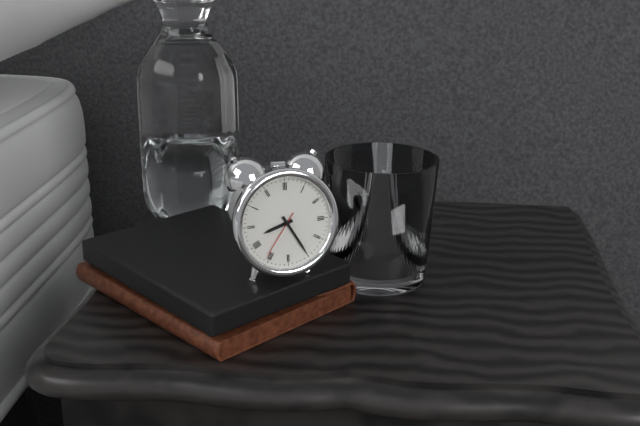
{"hour": 8, "minute": 25, "second": 36}
